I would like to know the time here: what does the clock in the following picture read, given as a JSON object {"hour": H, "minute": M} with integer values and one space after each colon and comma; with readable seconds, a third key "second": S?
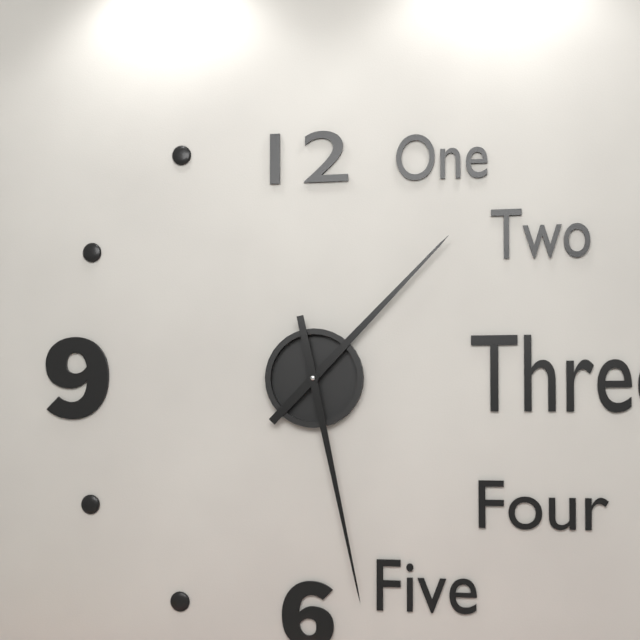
{"hour": 1, "minute": 28}
